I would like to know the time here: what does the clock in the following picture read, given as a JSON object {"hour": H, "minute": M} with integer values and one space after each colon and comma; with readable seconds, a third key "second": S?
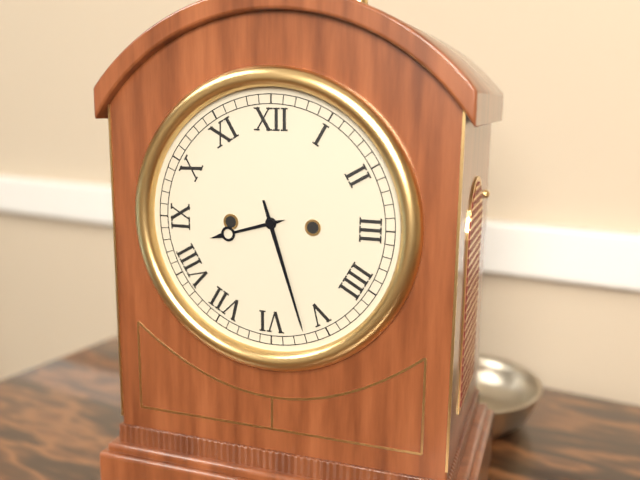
{"hour": 8, "minute": 27}
